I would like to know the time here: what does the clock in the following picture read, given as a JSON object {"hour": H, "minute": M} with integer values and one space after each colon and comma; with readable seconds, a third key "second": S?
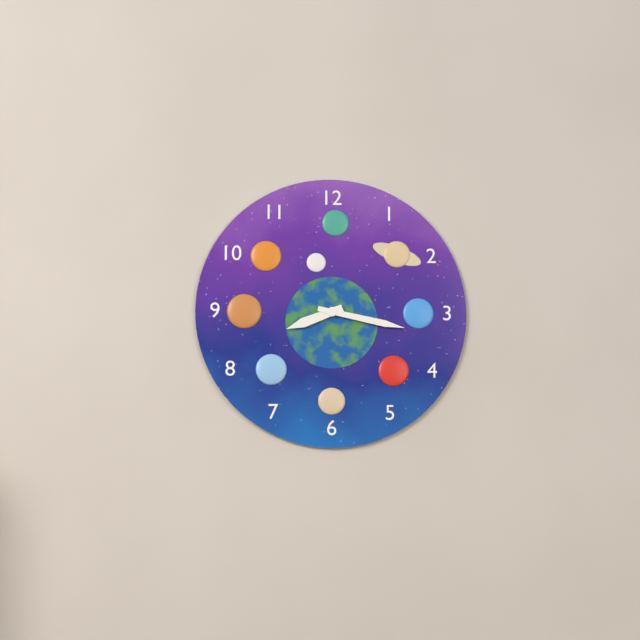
{"hour": 8, "minute": 17}
